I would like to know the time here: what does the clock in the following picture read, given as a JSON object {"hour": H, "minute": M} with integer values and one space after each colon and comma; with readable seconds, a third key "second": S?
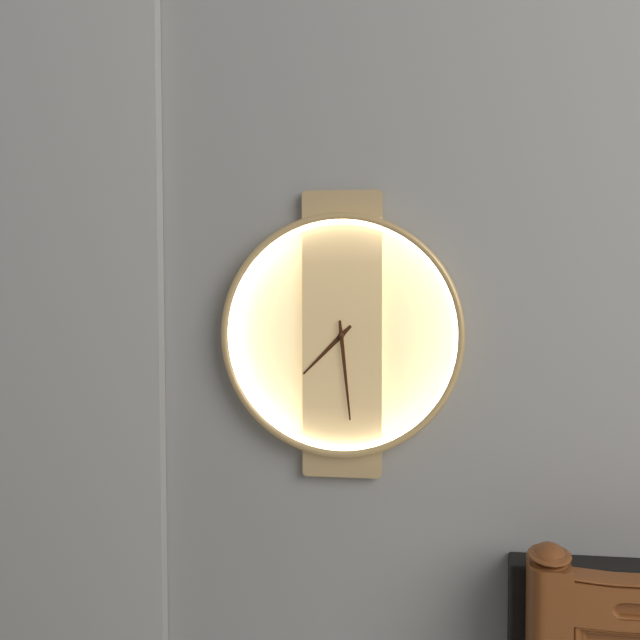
{"hour": 7, "minute": 29}
